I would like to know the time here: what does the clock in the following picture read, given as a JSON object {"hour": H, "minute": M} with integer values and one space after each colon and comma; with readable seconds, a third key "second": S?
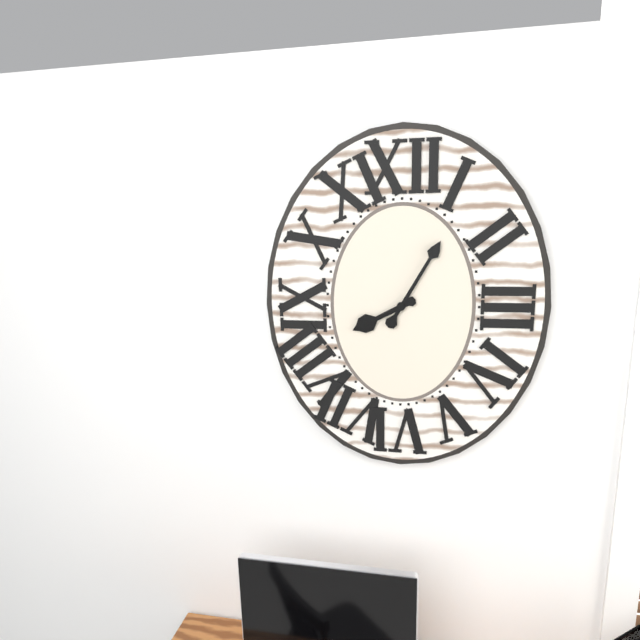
{"hour": 8, "minute": 5}
